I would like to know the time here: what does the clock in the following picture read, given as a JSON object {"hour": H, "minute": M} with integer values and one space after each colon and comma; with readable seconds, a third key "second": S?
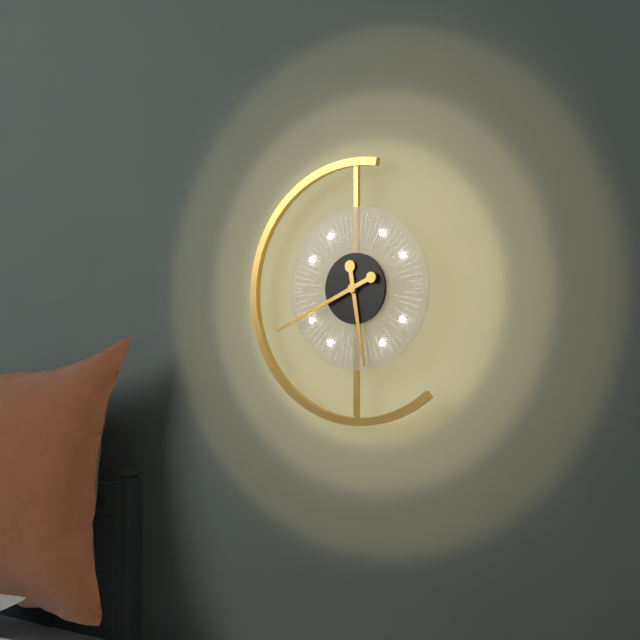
{"hour": 5, "minute": 41}
